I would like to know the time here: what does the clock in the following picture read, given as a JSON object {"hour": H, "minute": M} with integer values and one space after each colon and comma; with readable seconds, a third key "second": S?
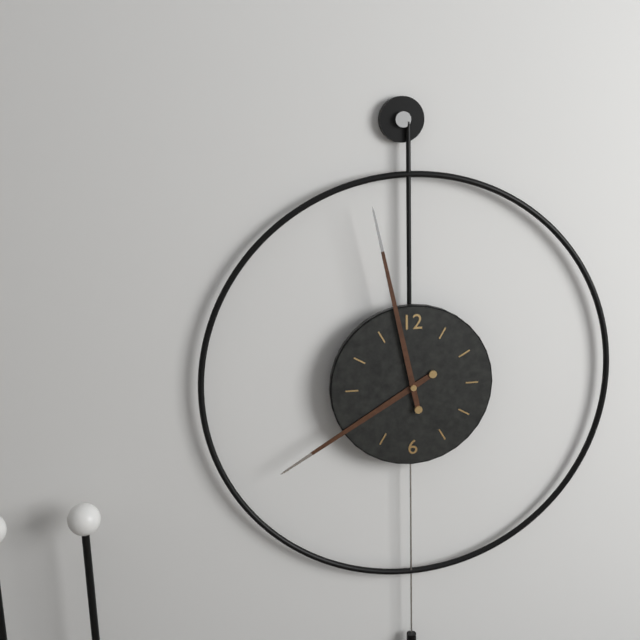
{"hour": 7, "minute": 58}
